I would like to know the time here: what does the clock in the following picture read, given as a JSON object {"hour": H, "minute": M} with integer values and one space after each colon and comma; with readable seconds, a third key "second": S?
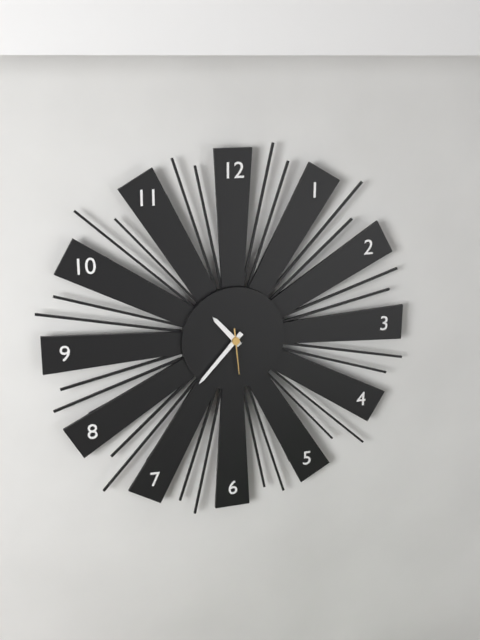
{"hour": 10, "minute": 37, "second": 29}
